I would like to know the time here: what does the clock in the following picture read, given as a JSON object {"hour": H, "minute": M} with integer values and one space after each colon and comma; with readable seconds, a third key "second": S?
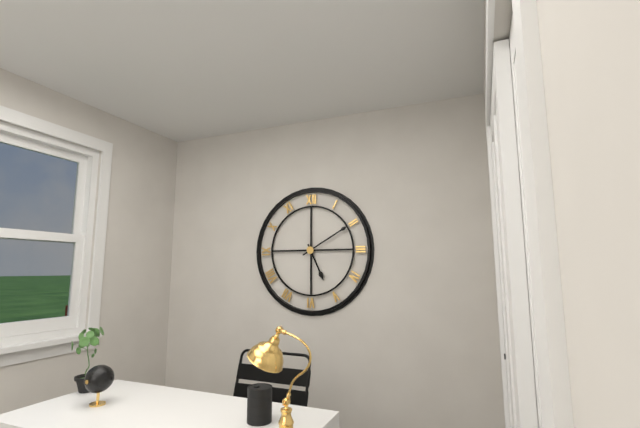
{"hour": 5, "minute": 10}
